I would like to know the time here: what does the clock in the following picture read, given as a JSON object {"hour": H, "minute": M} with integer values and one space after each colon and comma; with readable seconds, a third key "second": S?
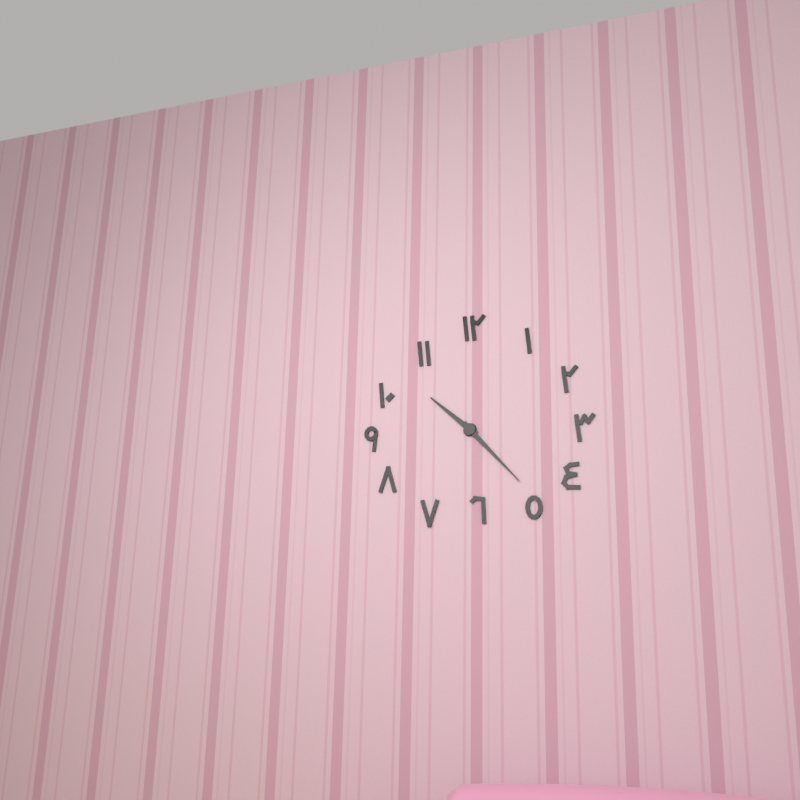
{"hour": 10, "minute": 23}
